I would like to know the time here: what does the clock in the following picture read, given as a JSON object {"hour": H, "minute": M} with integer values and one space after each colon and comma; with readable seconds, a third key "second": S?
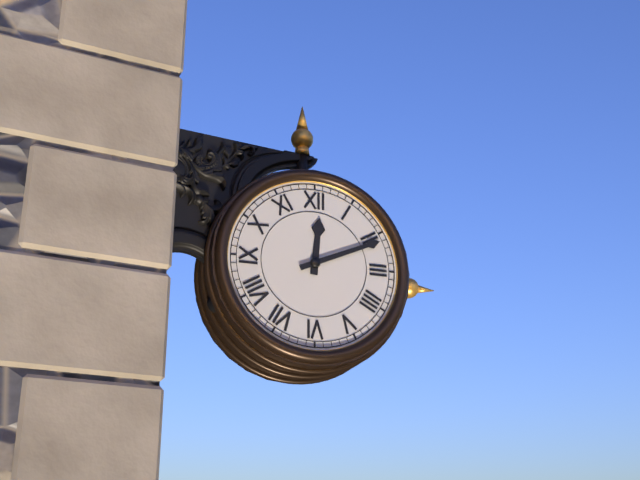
{"hour": 12, "minute": 11}
